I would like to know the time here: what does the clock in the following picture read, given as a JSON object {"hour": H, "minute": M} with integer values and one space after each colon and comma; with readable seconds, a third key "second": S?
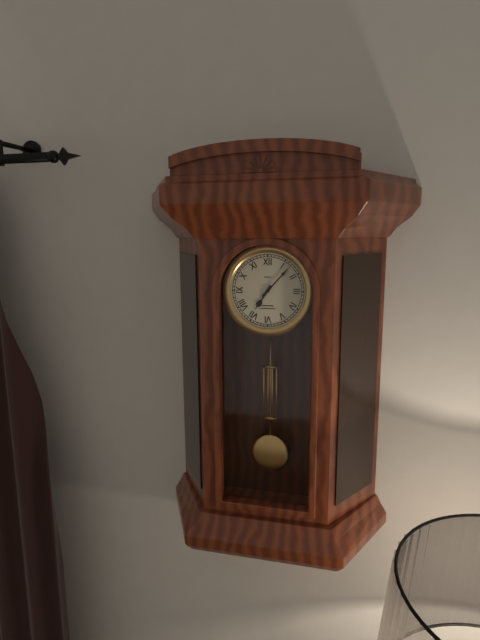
{"hour": 7, "minute": 7}
